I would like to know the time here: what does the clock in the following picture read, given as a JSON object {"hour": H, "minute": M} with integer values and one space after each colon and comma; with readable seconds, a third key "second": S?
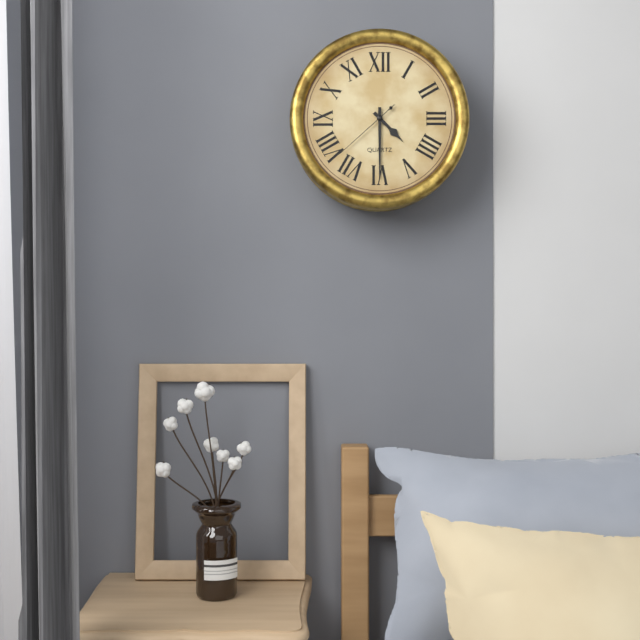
{"hour": 4, "minute": 30, "second": 38}
